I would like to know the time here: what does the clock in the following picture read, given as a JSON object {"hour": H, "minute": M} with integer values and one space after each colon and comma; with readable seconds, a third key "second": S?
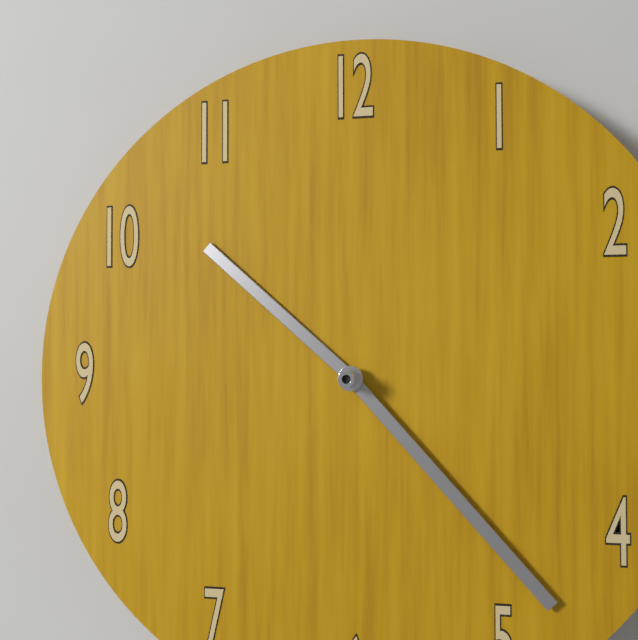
{"hour": 10, "minute": 23}
